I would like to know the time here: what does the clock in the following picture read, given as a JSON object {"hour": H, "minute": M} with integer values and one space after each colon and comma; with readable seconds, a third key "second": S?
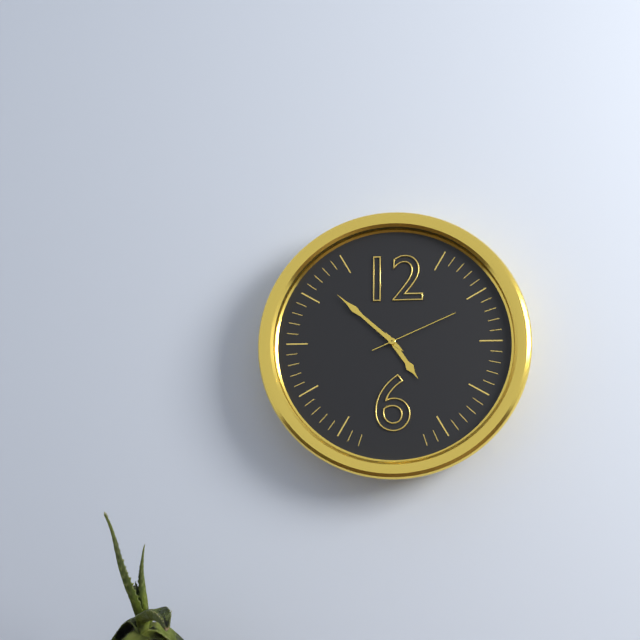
{"hour": 4, "minute": 52, "second": 11}
